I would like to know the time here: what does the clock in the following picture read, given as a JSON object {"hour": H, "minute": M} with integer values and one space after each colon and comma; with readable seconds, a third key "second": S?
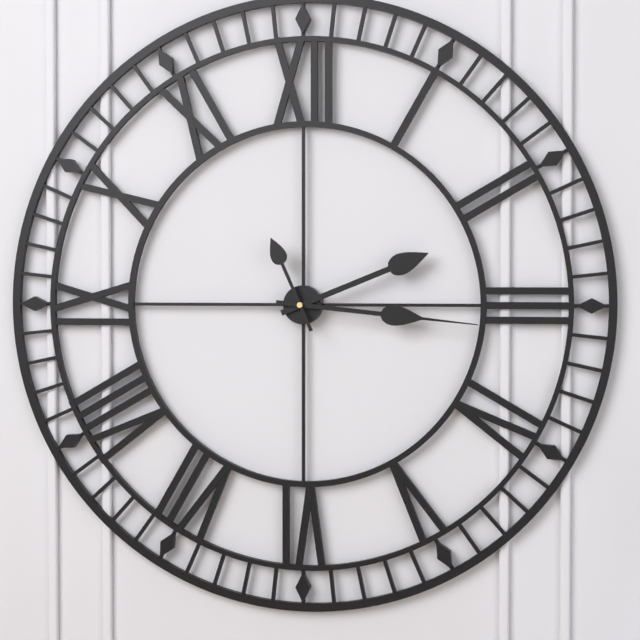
{"hour": 2, "minute": 16, "second": 56}
